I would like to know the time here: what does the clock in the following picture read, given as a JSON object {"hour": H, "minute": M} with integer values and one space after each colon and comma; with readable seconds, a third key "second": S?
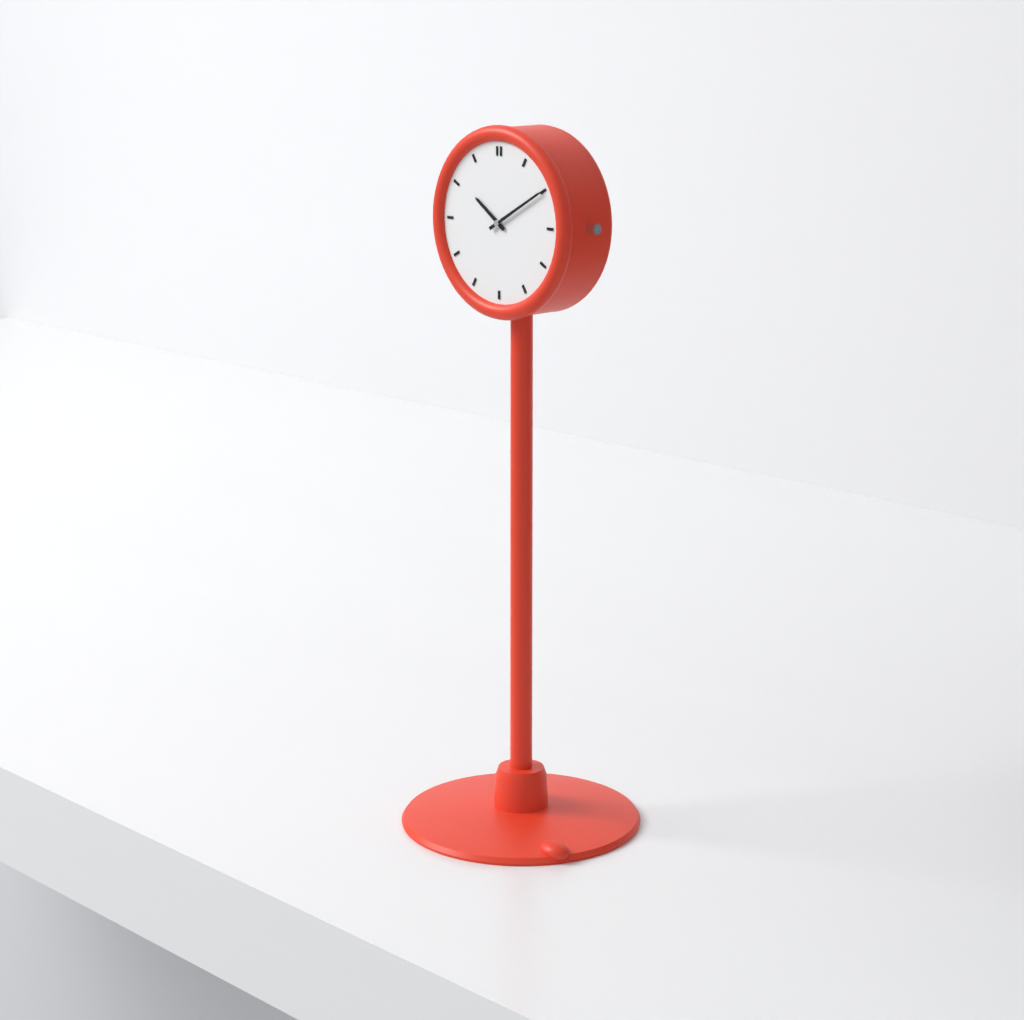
{"hour": 10, "minute": 10}
